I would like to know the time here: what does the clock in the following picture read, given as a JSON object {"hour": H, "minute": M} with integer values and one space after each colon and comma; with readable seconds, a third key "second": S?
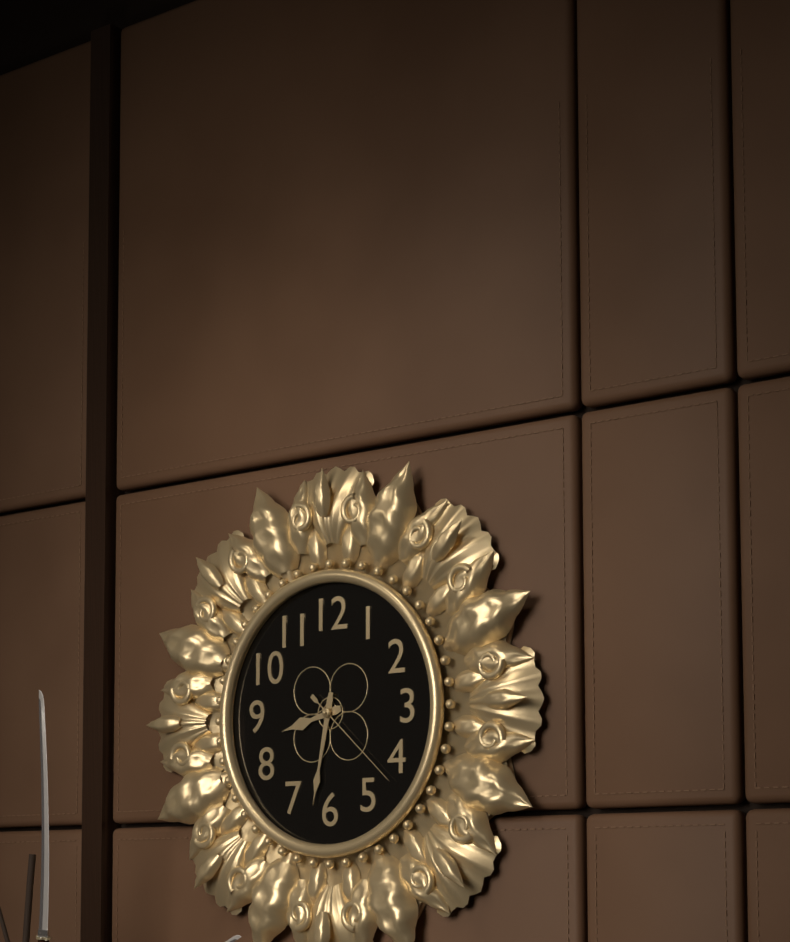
{"hour": 8, "minute": 32, "second": 22}
